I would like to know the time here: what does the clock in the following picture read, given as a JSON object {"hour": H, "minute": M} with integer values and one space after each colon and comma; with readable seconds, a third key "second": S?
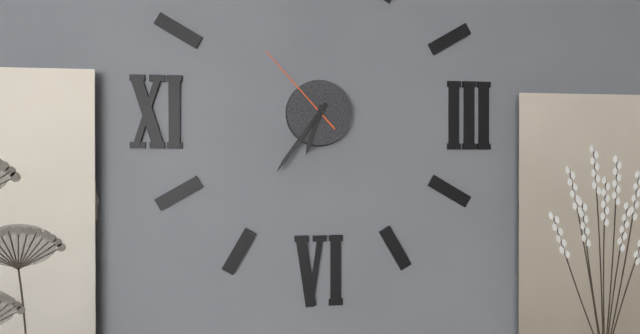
{"hour": 6, "minute": 36, "second": 53}
